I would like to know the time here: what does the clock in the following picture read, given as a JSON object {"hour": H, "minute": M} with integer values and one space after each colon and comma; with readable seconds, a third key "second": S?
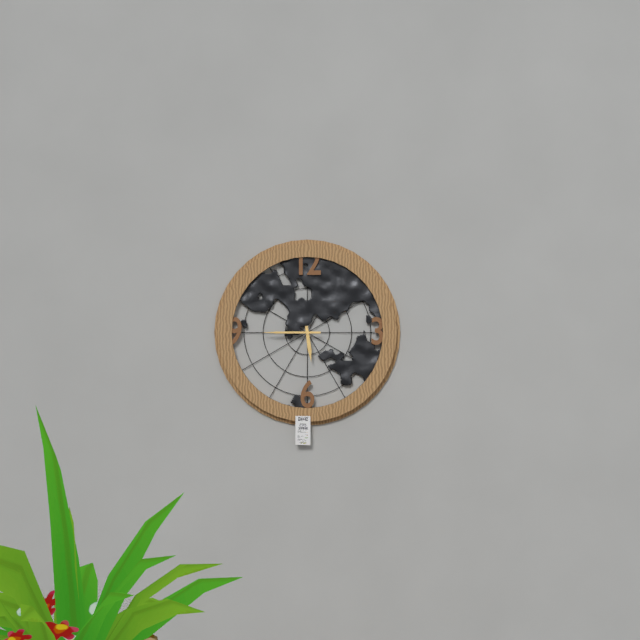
{"hour": 5, "minute": 45}
